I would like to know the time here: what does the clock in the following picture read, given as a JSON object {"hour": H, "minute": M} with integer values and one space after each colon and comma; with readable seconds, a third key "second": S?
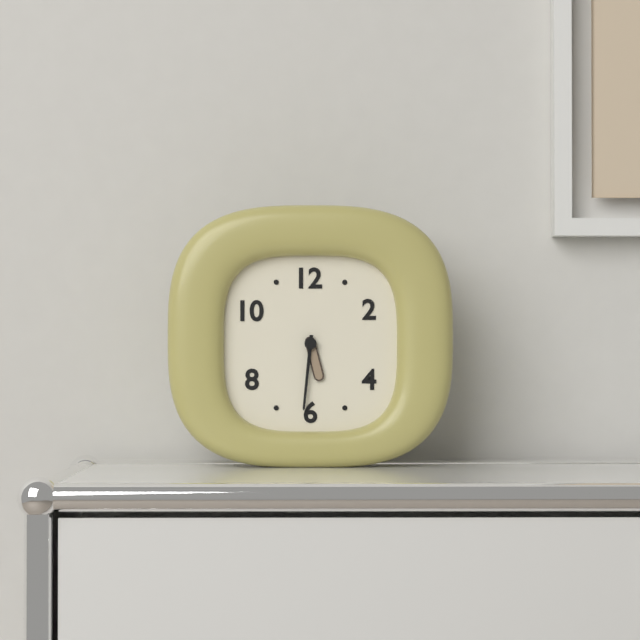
{"hour": 5, "minute": 31}
